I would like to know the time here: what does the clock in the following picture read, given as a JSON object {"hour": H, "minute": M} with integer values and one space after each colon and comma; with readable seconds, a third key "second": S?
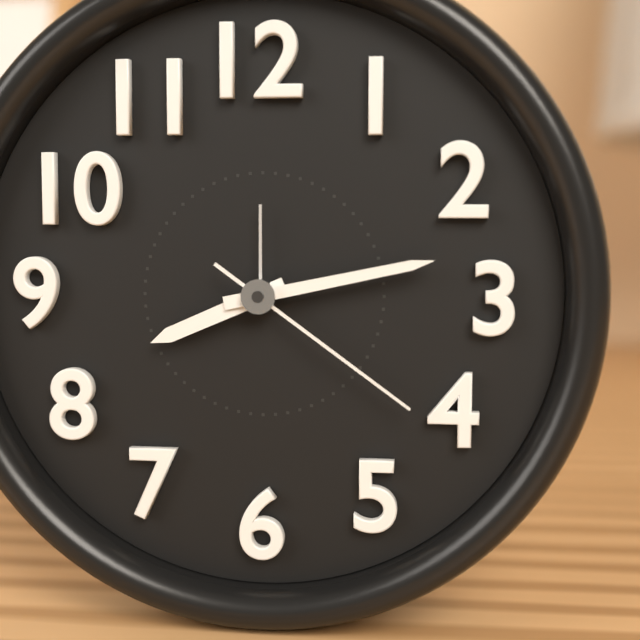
{"hour": 8, "minute": 13, "second": 21}
